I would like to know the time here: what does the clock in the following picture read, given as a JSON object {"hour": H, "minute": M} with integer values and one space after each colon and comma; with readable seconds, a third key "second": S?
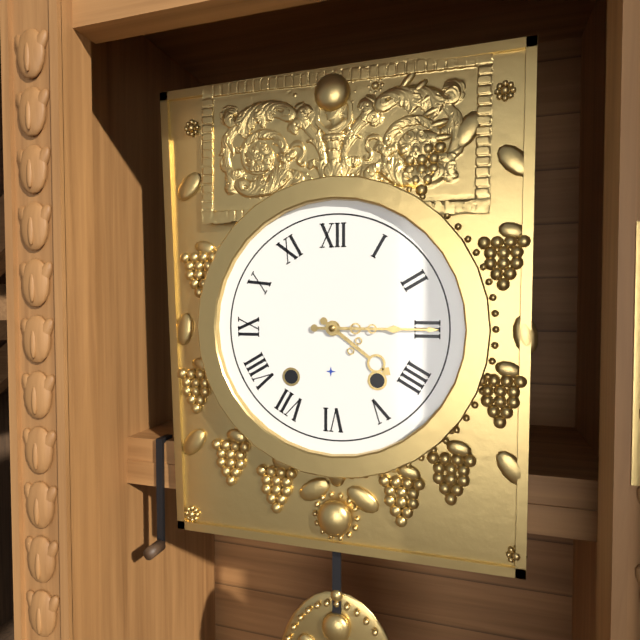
{"hour": 4, "minute": 15}
